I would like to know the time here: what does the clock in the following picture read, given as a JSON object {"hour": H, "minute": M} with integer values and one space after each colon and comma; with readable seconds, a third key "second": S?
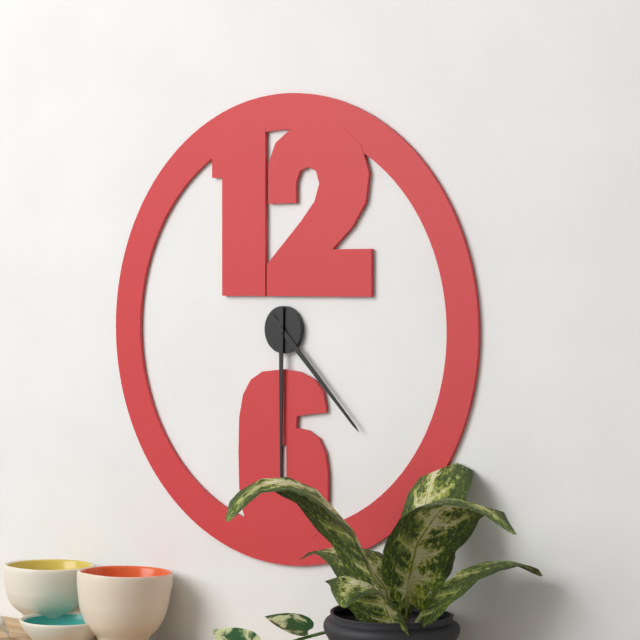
{"hour": 4, "minute": 30}
